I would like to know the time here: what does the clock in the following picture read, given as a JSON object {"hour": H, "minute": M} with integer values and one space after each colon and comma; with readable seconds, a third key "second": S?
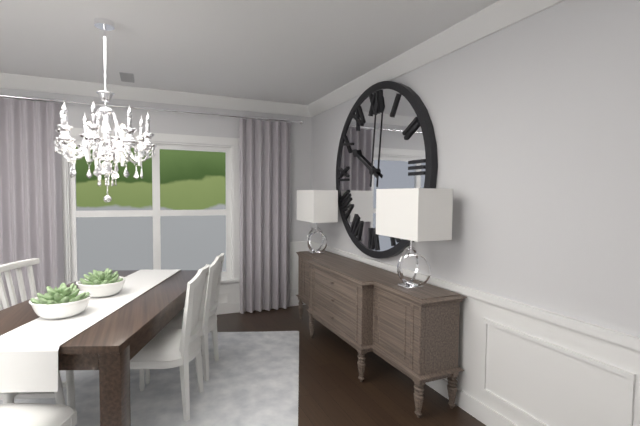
{"hour": 10, "minute": 1}
